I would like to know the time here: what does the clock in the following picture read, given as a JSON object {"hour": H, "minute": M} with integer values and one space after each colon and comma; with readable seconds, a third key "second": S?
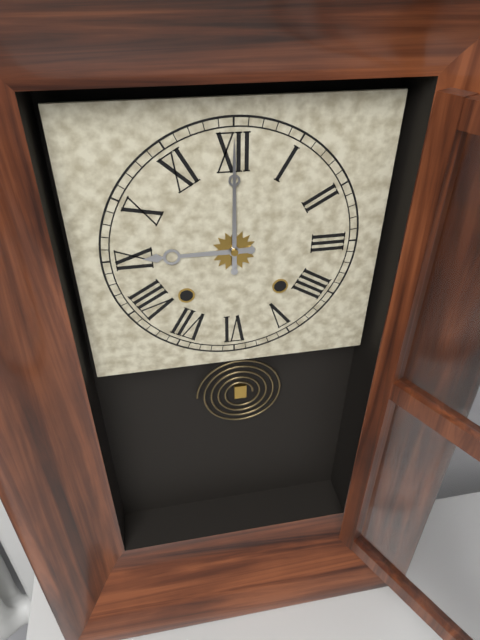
{"hour": 9, "minute": 0}
